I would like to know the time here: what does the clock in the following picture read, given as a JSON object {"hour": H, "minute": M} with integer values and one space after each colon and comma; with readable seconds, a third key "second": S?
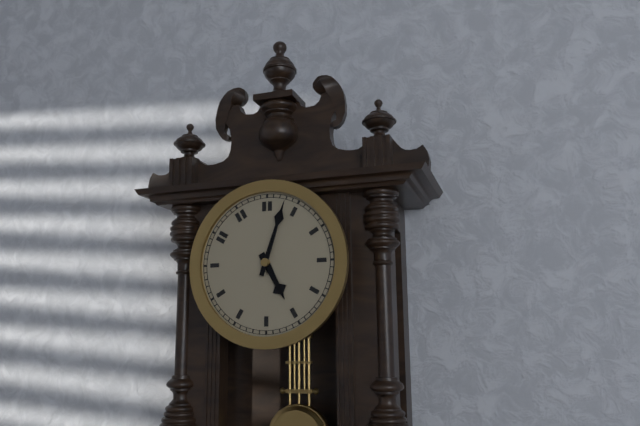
{"hour": 5, "minute": 3}
